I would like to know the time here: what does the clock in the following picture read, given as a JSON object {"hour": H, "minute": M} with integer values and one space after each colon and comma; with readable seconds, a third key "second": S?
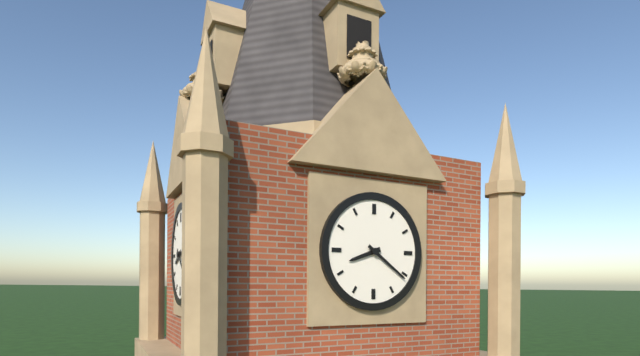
{"hour": 8, "minute": 21}
